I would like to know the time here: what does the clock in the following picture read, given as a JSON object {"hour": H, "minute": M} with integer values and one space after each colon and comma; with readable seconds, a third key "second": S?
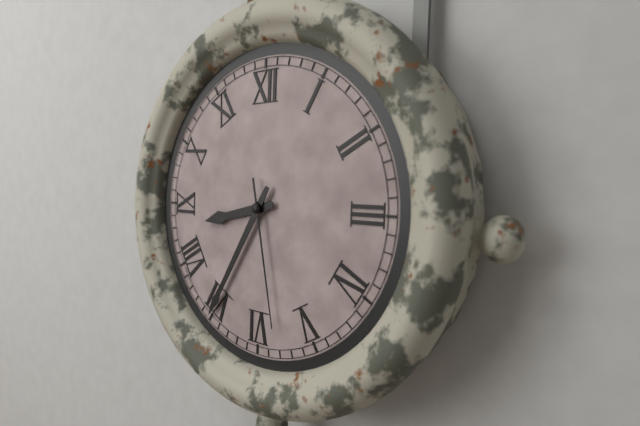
{"hour": 8, "minute": 35, "second": 28}
